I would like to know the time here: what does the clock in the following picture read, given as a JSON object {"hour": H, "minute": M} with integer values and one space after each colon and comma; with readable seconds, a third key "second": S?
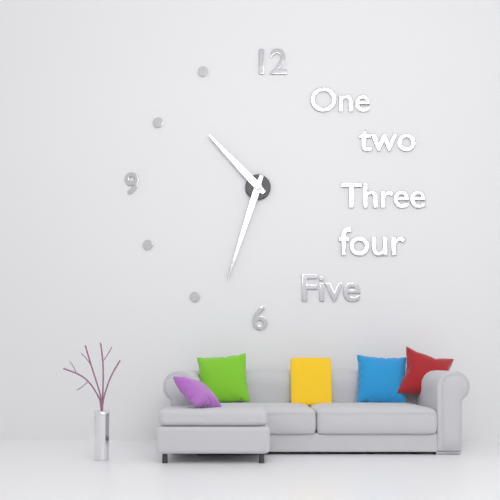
{"hour": 10, "minute": 33}
